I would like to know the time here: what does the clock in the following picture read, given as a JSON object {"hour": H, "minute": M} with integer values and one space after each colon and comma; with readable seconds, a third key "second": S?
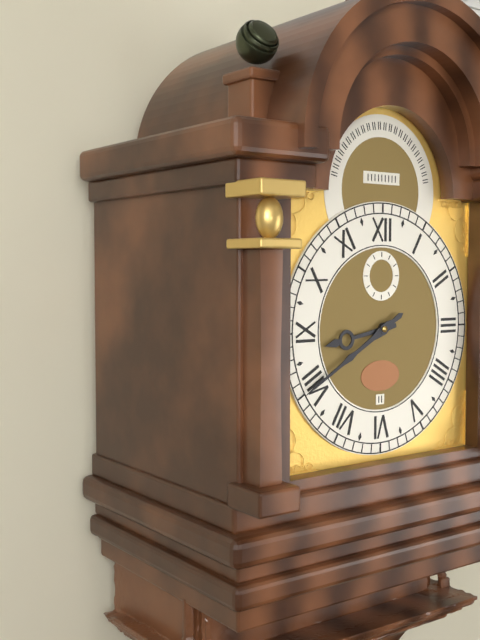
{"hour": 8, "minute": 40}
